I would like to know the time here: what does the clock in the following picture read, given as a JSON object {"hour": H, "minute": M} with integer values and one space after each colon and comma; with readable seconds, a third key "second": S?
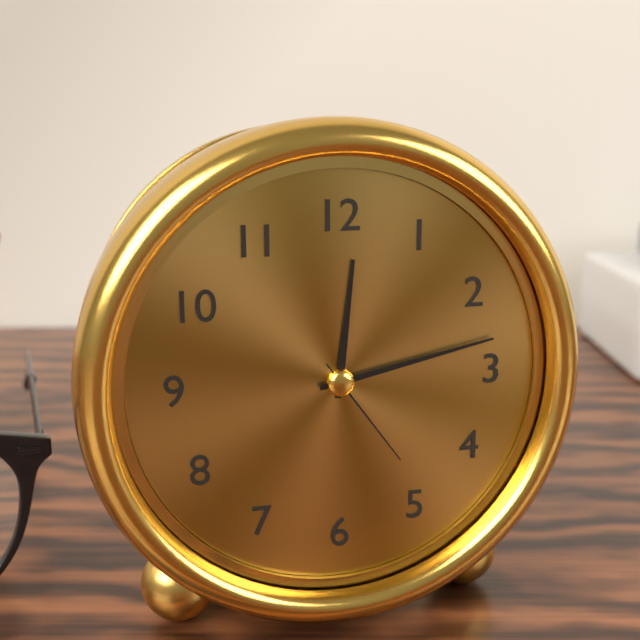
{"hour": 12, "minute": 13, "second": 24}
